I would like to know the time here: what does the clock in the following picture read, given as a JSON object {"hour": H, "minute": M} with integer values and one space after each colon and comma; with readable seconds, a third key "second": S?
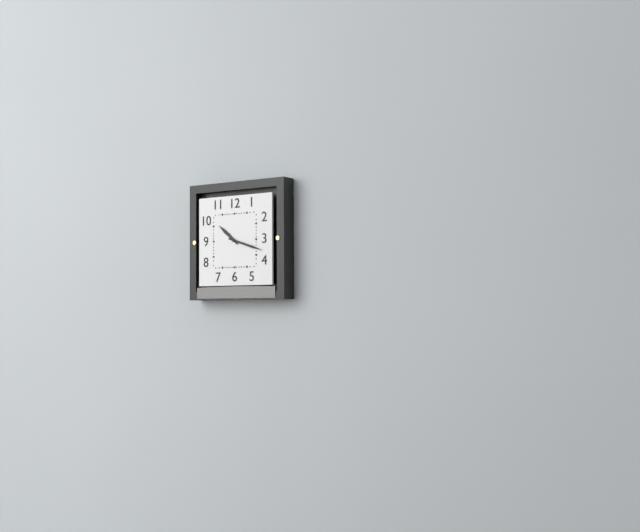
{"hour": 10, "minute": 18}
